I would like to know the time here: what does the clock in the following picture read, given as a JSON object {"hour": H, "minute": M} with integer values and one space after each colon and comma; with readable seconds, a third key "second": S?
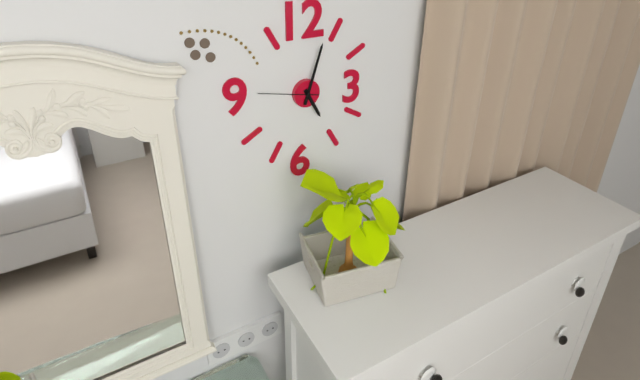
{"hour": 5, "minute": 3, "second": 47}
